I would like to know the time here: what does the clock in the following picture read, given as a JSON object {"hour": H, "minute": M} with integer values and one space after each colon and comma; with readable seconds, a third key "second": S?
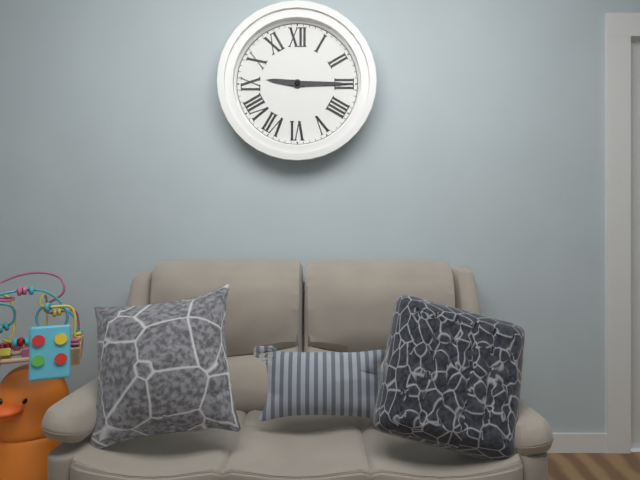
{"hour": 9, "minute": 15}
